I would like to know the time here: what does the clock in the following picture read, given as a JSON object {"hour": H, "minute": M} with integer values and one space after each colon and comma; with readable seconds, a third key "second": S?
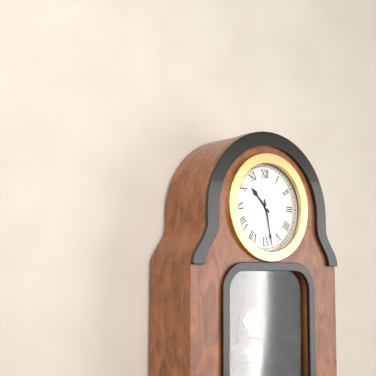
{"hour": 10, "minute": 28}
